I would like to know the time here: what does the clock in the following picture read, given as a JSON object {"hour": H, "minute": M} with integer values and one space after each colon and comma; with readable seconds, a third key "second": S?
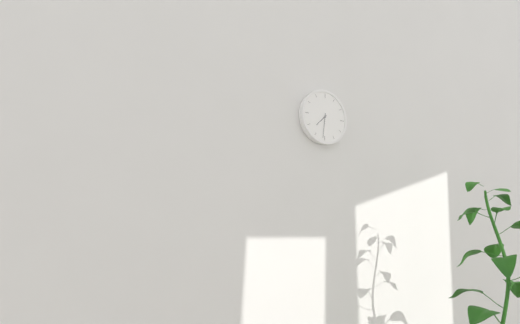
{"hour": 7, "minute": 31}
